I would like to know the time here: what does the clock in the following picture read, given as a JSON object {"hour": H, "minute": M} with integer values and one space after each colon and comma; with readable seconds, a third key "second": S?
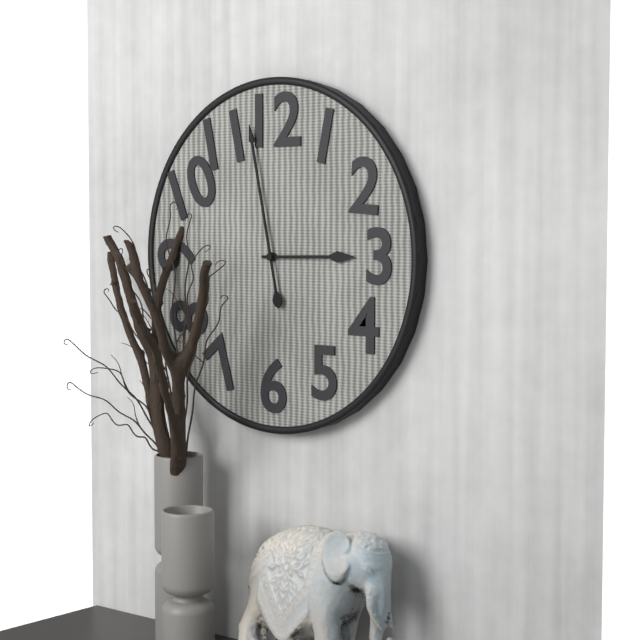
{"hour": 2, "minute": 58}
